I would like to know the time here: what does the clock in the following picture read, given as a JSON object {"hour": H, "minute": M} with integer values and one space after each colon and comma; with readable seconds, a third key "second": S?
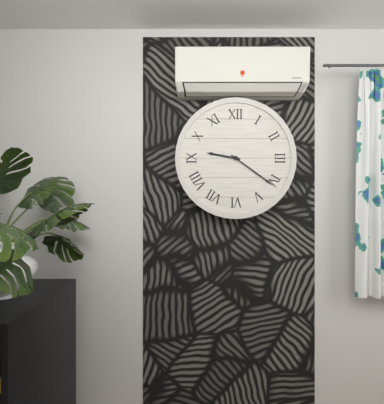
{"hour": 9, "minute": 21}
